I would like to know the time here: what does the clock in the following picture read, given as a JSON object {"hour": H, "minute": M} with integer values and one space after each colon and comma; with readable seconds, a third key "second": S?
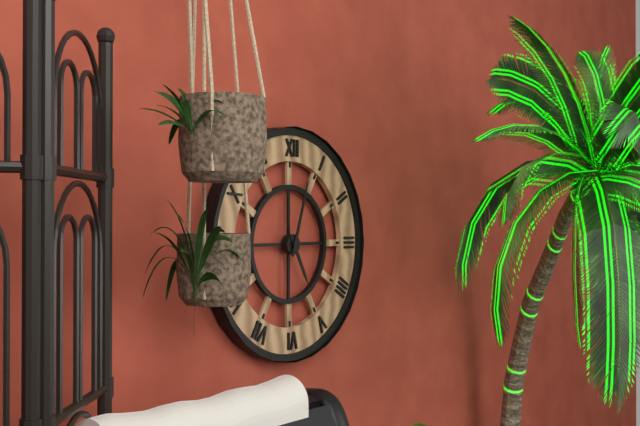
{"hour": 5, "minute": 3}
